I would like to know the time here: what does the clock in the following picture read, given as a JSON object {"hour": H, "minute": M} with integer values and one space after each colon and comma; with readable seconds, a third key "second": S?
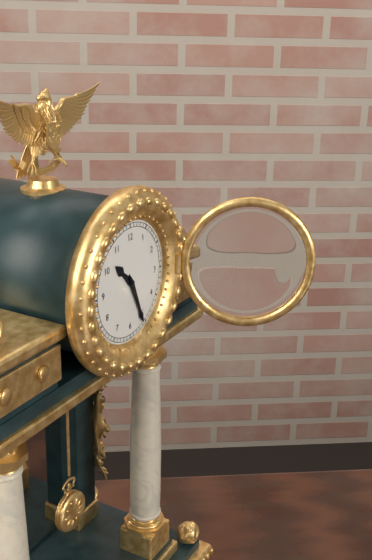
{"hour": 10, "minute": 26}
